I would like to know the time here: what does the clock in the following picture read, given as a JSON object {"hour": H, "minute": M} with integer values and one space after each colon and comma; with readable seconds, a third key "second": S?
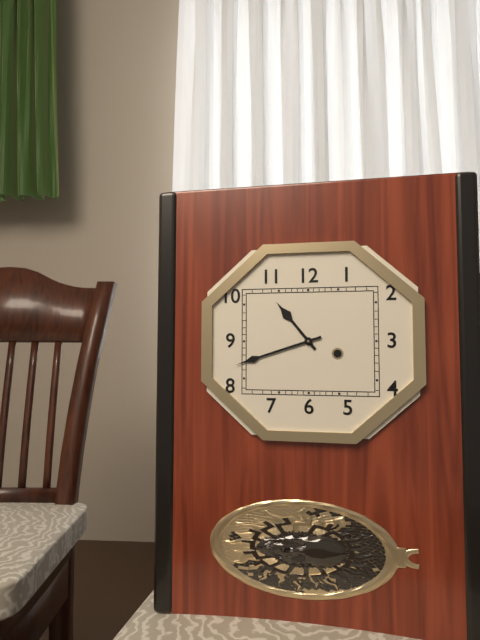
{"hour": 10, "minute": 42}
